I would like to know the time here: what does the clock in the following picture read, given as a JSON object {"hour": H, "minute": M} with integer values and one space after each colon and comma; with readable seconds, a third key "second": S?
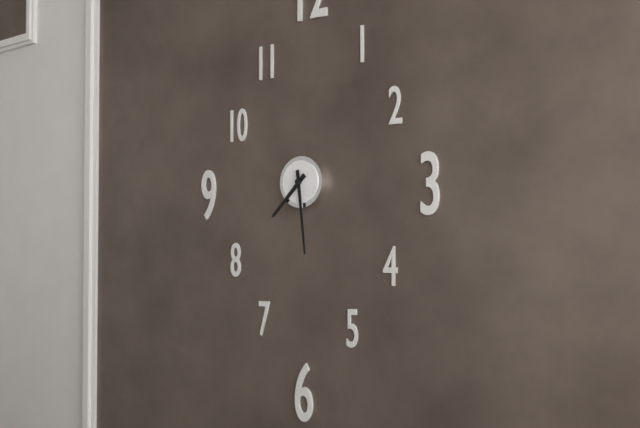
{"hour": 7, "minute": 29}
